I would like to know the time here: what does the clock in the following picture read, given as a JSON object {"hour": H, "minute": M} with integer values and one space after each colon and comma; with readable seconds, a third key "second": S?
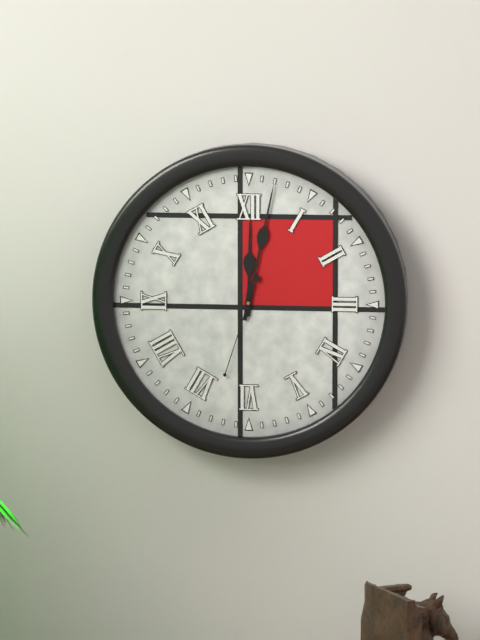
{"hour": 12, "minute": 2, "second": 33}
